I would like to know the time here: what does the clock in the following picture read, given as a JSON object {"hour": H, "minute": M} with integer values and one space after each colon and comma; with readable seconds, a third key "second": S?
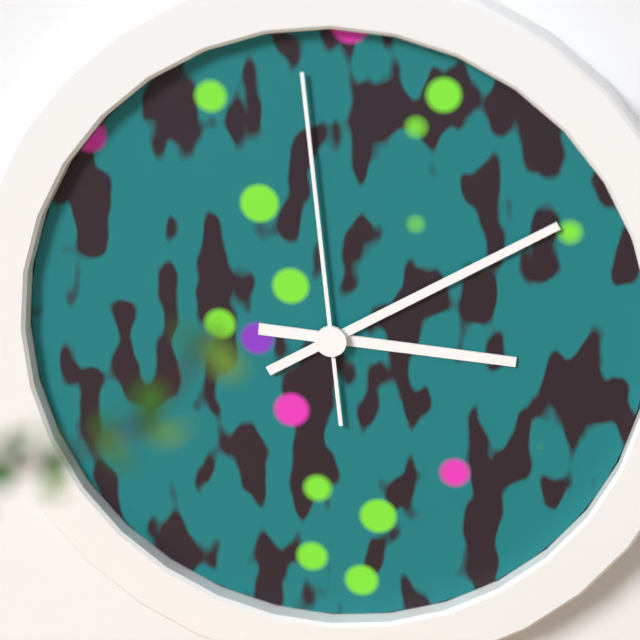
{"hour": 3, "minute": 10, "second": 59}
